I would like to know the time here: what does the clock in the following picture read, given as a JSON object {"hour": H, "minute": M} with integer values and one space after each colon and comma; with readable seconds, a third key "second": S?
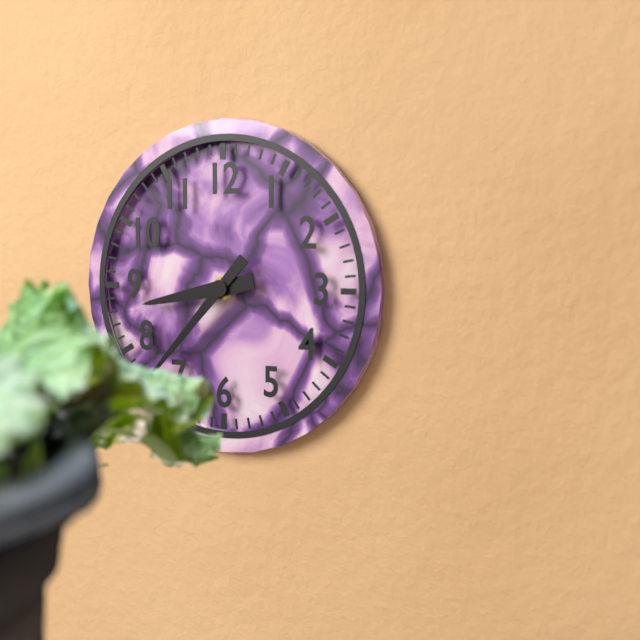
{"hour": 8, "minute": 37}
